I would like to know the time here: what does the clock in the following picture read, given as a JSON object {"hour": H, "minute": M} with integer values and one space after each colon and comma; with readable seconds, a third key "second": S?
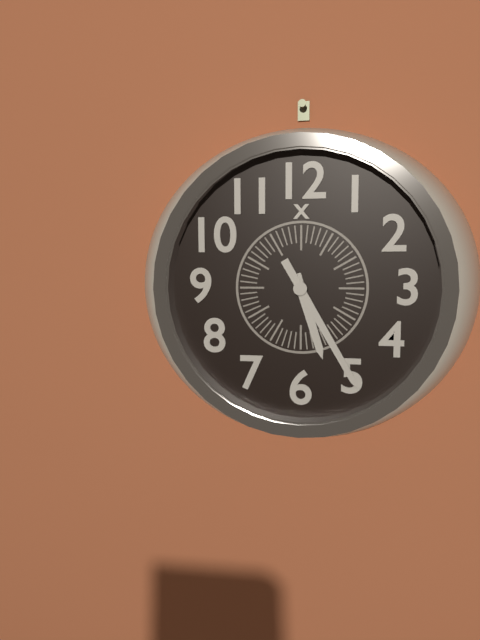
{"hour": 5, "minute": 25}
